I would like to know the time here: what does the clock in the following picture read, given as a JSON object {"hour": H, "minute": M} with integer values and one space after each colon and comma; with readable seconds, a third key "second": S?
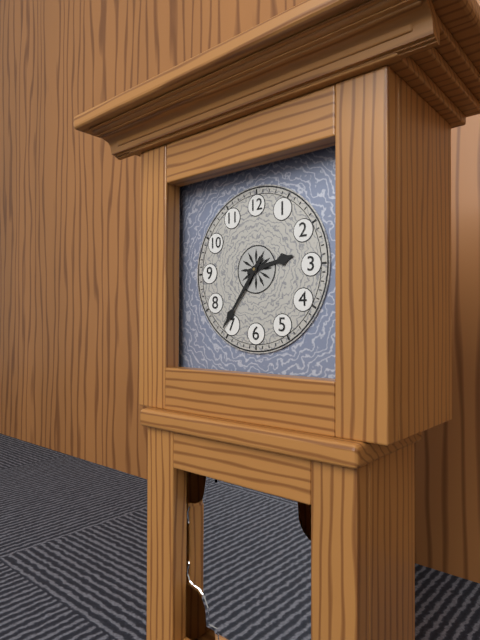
{"hour": 2, "minute": 36}
